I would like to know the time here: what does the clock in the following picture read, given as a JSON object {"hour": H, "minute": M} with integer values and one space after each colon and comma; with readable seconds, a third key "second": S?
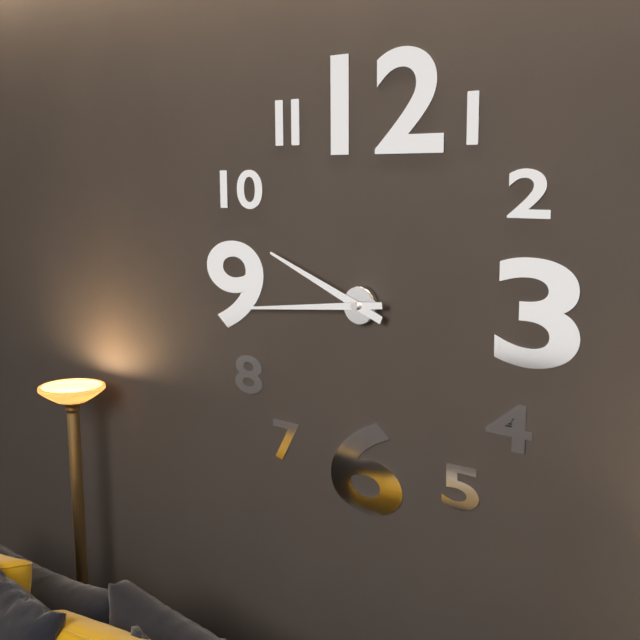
{"hour": 9, "minute": 44}
